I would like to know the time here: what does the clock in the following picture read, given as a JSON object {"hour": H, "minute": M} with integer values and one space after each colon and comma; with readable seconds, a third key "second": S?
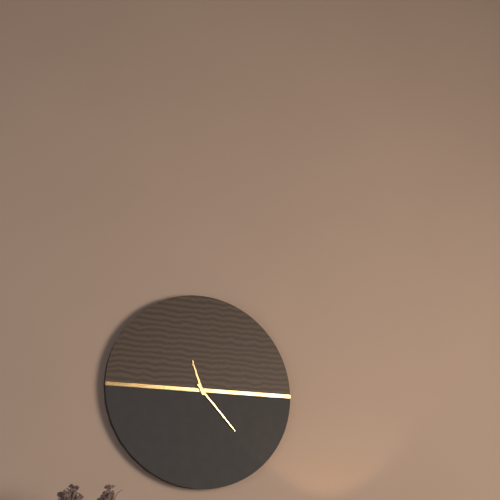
{"hour": 11, "minute": 23}
